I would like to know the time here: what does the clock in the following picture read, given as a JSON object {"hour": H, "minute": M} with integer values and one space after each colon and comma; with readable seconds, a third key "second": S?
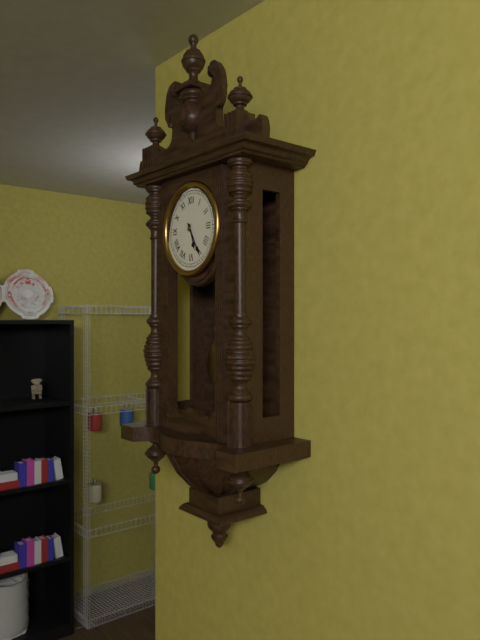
{"hour": 5, "minute": 25}
